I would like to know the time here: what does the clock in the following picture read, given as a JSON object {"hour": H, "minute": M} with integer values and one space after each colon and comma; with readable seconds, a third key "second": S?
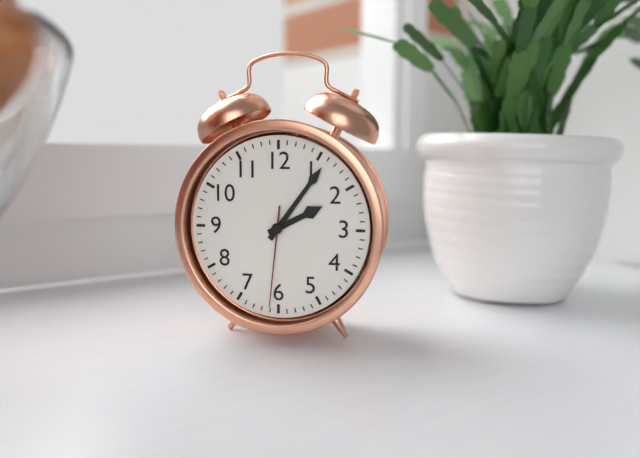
{"hour": 2, "minute": 6, "second": 31}
